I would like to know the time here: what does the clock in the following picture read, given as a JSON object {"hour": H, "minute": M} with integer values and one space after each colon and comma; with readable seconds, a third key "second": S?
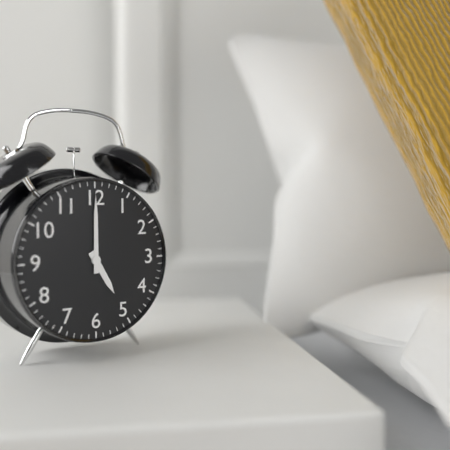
{"hour": 5, "minute": 0}
